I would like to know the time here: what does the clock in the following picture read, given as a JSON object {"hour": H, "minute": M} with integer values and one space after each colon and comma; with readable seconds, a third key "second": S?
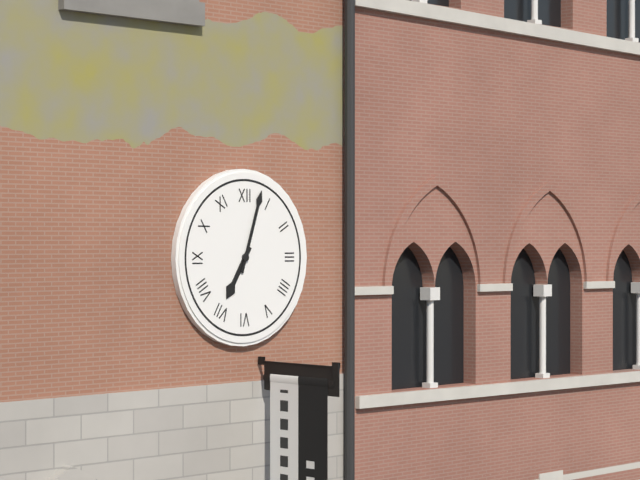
{"hour": 7, "minute": 3}
